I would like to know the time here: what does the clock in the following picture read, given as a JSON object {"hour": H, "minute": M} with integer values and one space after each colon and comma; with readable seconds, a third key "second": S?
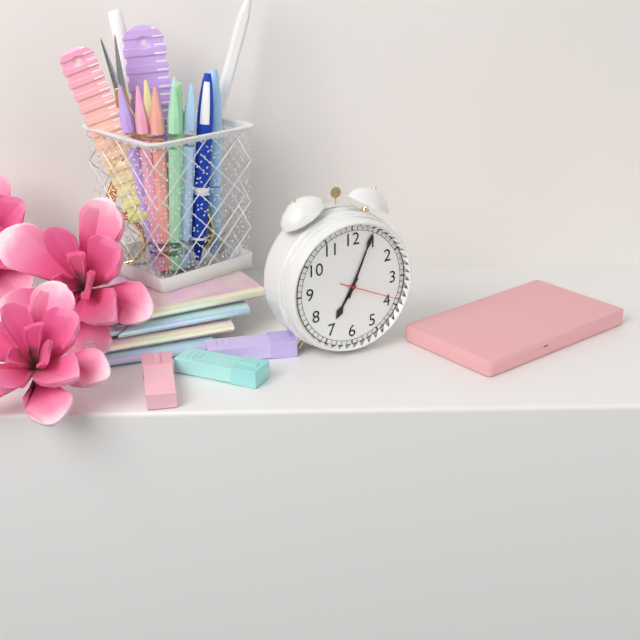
{"hour": 7, "minute": 4, "second": 19}
